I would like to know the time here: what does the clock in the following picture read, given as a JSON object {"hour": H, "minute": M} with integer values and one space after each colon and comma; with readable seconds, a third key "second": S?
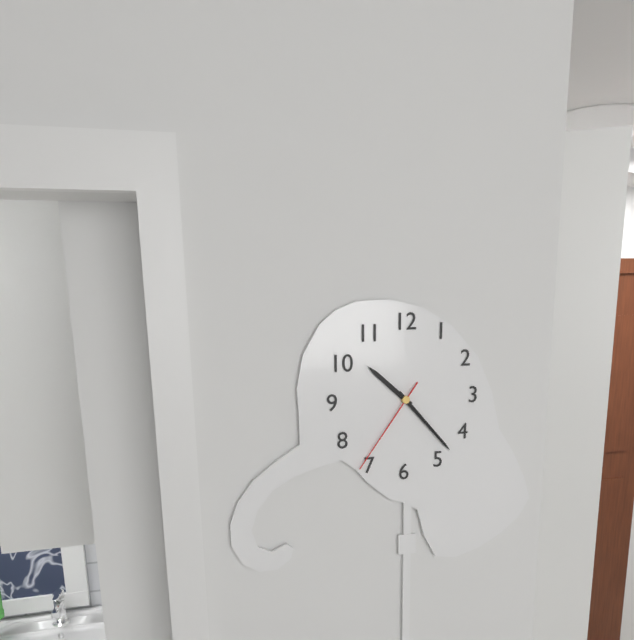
{"hour": 10, "minute": 23, "second": 36}
